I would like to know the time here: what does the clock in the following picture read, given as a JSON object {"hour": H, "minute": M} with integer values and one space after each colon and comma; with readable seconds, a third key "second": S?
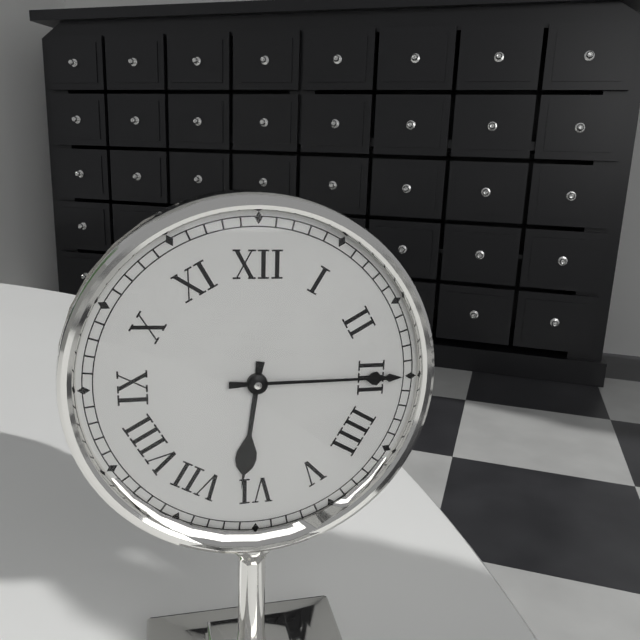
{"hour": 6, "minute": 15}
